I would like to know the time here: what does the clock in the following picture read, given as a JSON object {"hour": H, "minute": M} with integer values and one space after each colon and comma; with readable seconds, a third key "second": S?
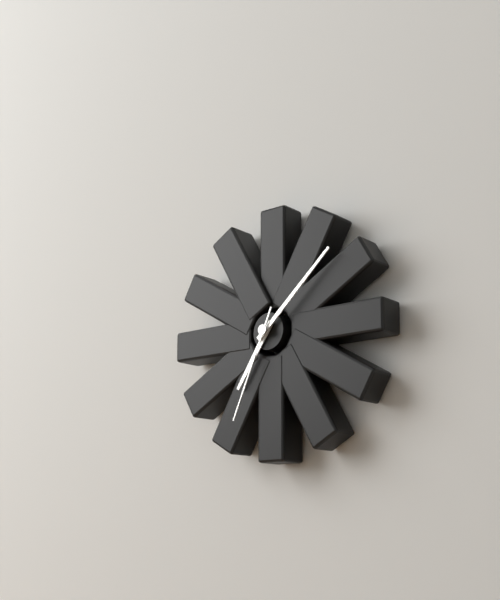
{"hour": 7, "minute": 8, "second": 34}
